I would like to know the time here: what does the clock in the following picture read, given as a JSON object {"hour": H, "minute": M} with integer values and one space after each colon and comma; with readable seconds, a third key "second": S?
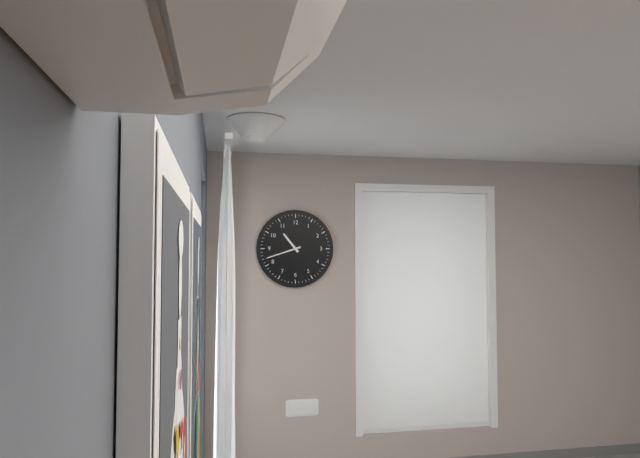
{"hour": 10, "minute": 42}
